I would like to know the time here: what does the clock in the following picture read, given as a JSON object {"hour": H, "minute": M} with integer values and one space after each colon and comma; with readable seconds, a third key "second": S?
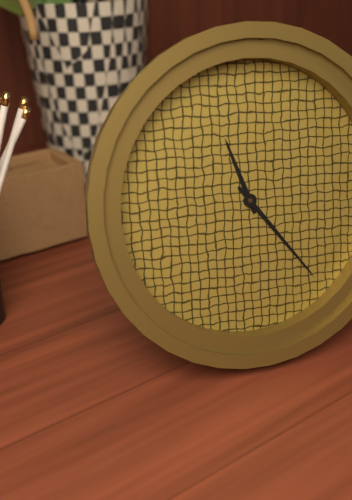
{"hour": 11, "minute": 24}
